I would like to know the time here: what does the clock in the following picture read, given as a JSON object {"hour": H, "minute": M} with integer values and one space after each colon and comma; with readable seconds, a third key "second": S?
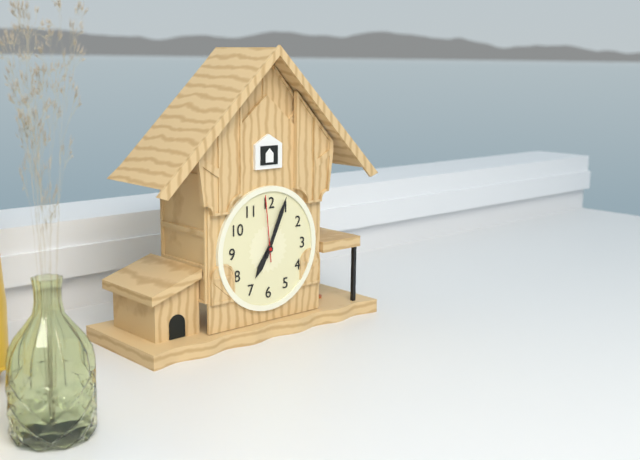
{"hour": 7, "minute": 4, "second": 59}
